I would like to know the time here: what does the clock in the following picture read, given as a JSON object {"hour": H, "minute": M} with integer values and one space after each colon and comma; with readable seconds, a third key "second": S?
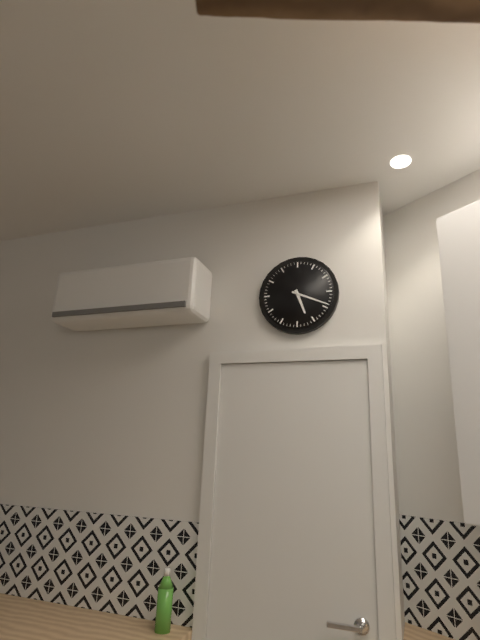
{"hour": 5, "minute": 19}
